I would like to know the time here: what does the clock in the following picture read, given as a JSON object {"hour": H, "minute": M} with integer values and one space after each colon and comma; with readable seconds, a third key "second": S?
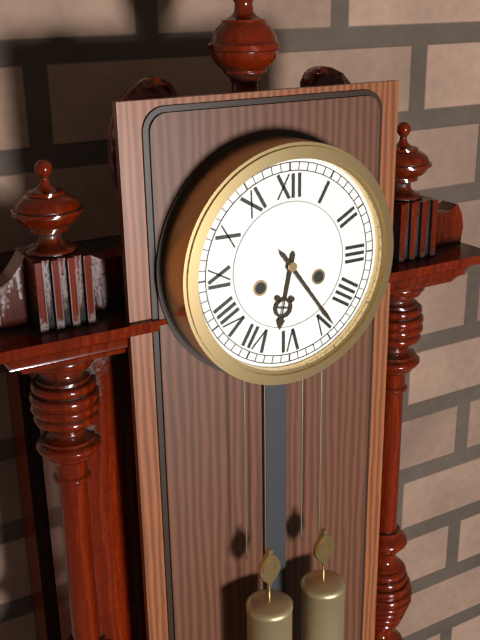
{"hour": 6, "minute": 24}
